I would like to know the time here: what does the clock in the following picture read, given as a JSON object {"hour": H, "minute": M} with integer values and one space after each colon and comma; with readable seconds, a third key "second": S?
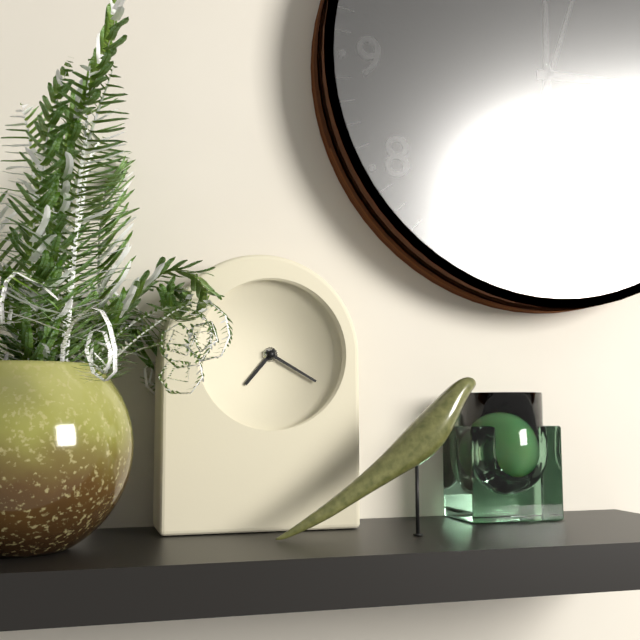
{"hour": 7, "minute": 20}
